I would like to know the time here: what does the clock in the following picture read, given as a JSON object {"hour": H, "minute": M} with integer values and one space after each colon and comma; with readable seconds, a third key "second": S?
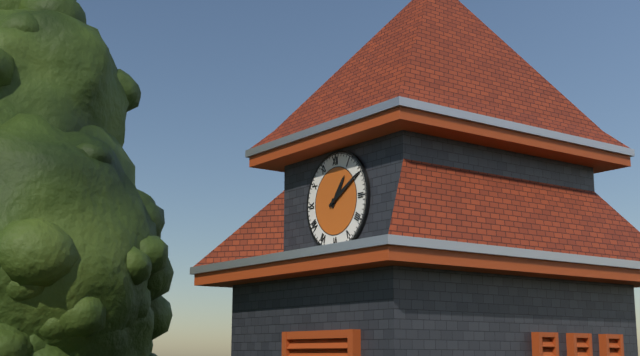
{"hour": 1, "minute": 10}
